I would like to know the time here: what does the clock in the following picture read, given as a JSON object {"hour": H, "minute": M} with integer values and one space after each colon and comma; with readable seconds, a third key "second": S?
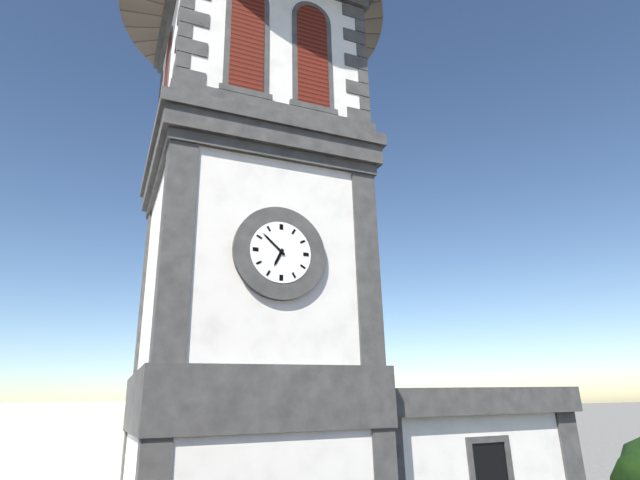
{"hour": 6, "minute": 52}
